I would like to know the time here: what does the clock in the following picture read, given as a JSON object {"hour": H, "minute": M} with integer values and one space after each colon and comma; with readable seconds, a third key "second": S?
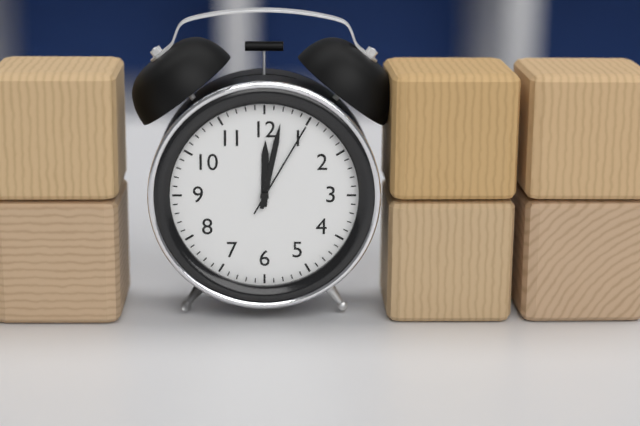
{"hour": 12, "minute": 2, "second": 5}
